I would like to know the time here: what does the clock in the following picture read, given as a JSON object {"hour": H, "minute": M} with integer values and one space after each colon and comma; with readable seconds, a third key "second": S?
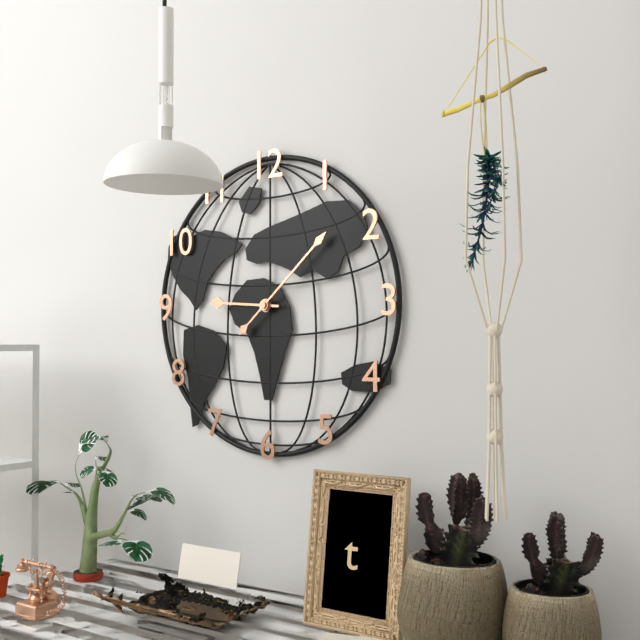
{"hour": 9, "minute": 8}
